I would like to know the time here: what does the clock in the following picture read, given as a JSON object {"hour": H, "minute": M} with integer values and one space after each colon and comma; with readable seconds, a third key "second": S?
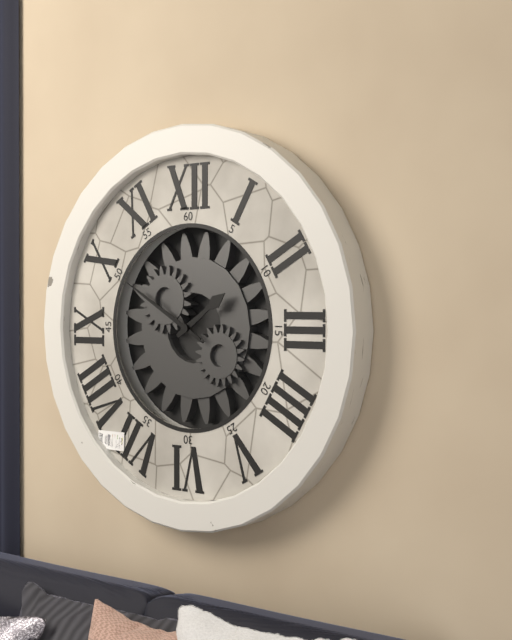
{"hour": 1, "minute": 50}
